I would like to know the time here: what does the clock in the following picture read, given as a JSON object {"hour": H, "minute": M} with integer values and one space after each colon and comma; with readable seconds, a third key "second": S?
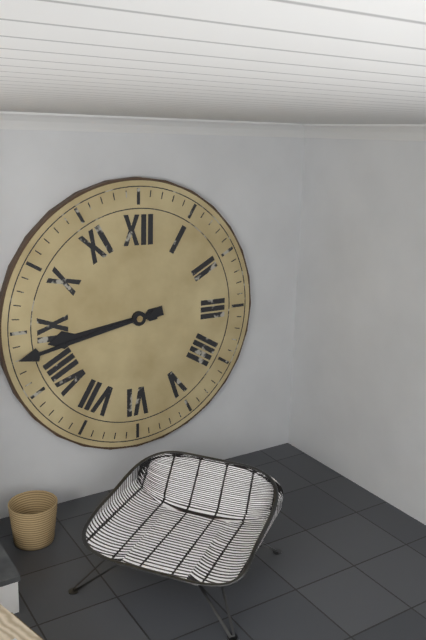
{"hour": 8, "minute": 43}
